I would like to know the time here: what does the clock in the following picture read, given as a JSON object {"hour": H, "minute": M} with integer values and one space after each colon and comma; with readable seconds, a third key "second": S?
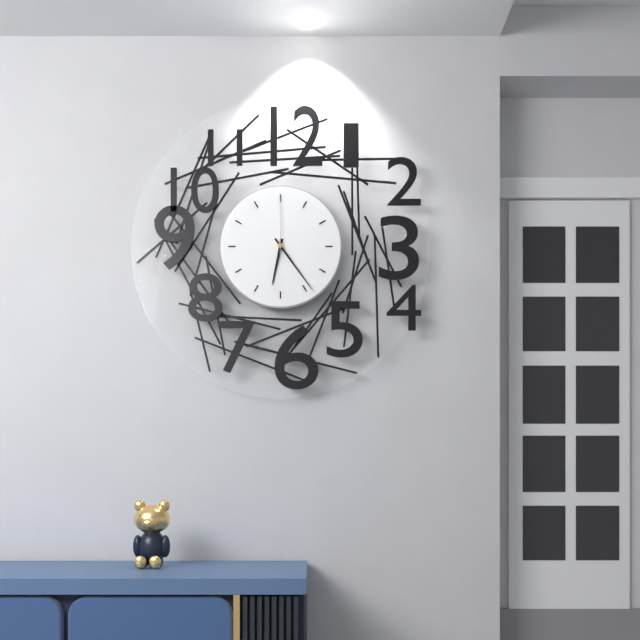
{"hour": 6, "minute": 24, "second": 0}
